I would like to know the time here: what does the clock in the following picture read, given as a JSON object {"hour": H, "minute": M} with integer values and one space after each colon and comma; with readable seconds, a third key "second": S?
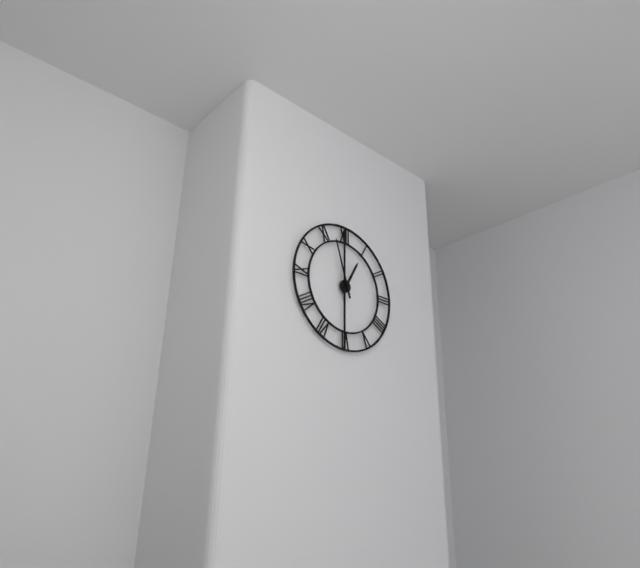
{"hour": 12, "minute": 57}
